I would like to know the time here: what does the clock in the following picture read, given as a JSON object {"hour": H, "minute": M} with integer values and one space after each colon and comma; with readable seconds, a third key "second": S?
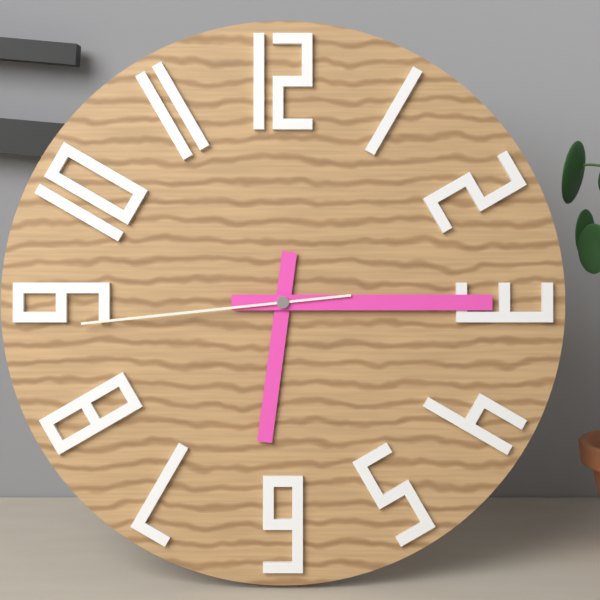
{"hour": 6, "minute": 15, "second": 44}
